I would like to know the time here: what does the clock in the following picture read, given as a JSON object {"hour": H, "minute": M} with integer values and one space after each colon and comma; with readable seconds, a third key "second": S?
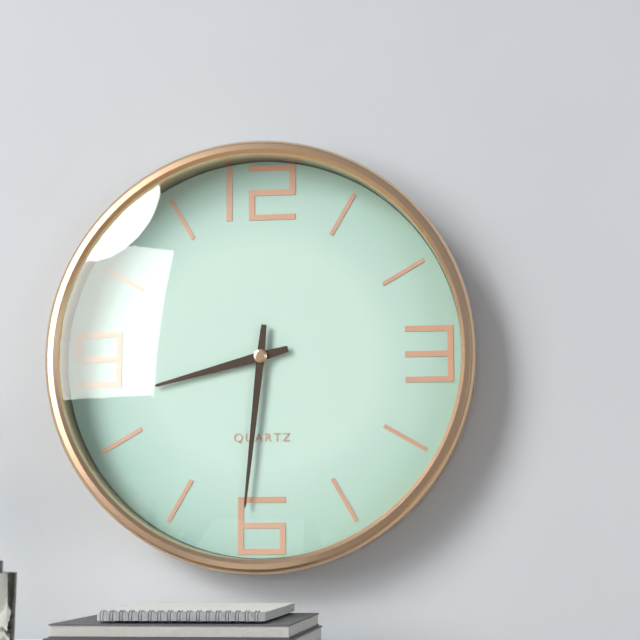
{"hour": 8, "minute": 31}
